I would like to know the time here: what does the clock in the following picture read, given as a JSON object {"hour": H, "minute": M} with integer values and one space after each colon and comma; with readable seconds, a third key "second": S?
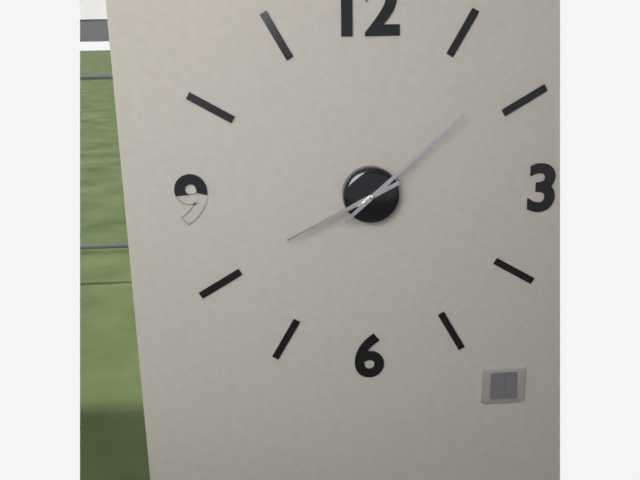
{"hour": 8, "minute": 8}
